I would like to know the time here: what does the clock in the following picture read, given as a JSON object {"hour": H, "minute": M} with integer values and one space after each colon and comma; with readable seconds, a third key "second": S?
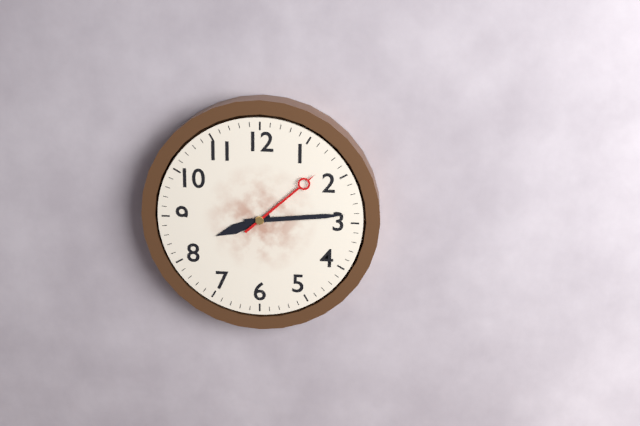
{"hour": 8, "minute": 14, "second": 8}
